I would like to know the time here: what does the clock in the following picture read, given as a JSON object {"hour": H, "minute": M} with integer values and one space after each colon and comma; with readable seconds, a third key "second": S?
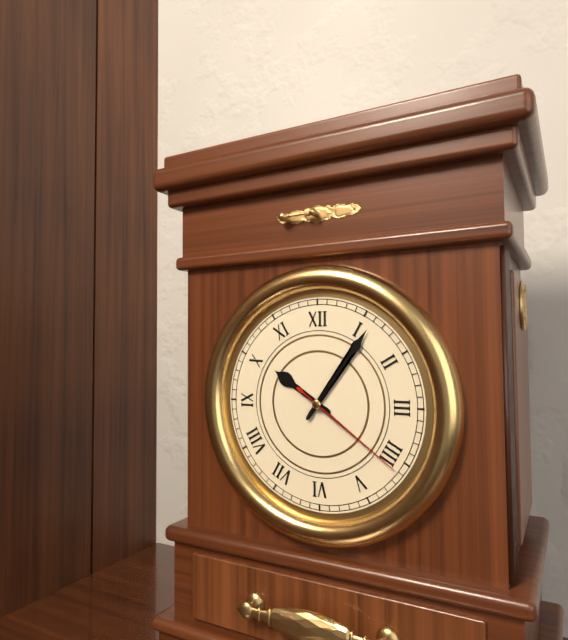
{"hour": 10, "minute": 6, "second": 21}
